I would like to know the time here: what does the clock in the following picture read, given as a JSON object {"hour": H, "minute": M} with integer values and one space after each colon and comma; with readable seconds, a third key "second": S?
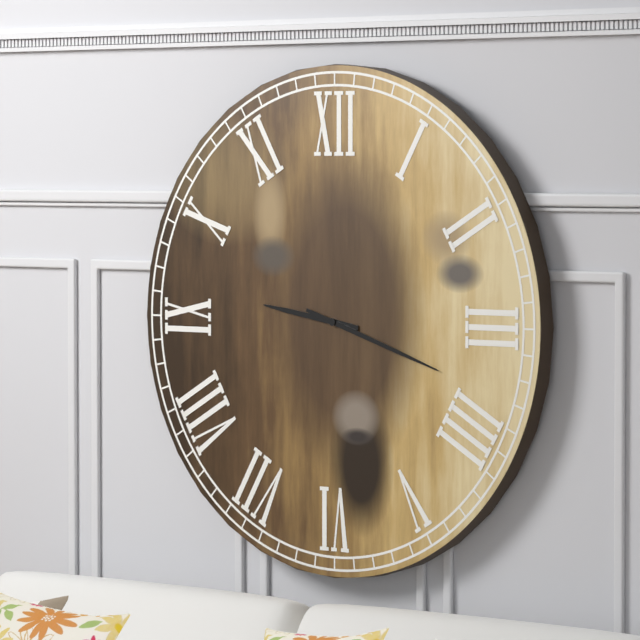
{"hour": 9, "minute": 18}
